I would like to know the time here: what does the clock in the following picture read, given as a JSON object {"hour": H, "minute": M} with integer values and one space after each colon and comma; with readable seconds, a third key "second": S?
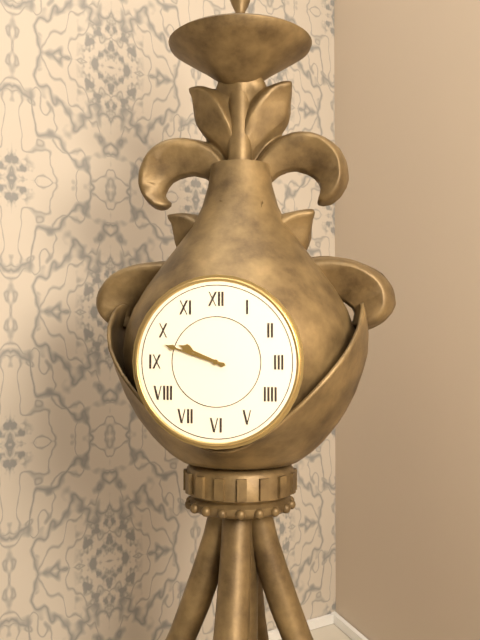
{"hour": 9, "minute": 48}
